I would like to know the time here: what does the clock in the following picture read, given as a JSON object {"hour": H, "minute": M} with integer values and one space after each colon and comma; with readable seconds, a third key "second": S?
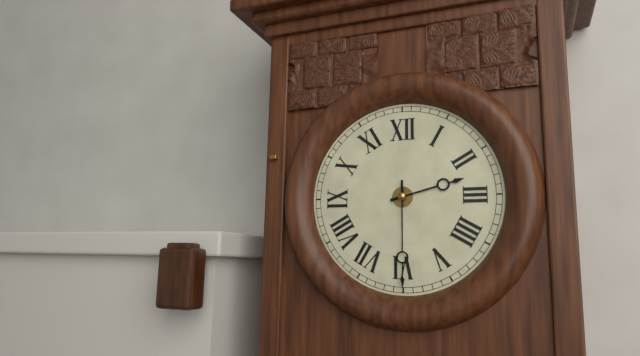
{"hour": 2, "minute": 30}
